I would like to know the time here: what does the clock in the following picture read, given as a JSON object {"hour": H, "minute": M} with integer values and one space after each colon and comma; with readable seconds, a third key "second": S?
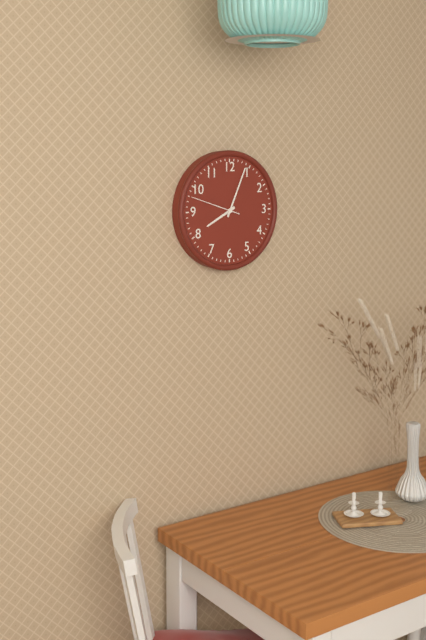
{"hour": 8, "minute": 4, "second": 48}
